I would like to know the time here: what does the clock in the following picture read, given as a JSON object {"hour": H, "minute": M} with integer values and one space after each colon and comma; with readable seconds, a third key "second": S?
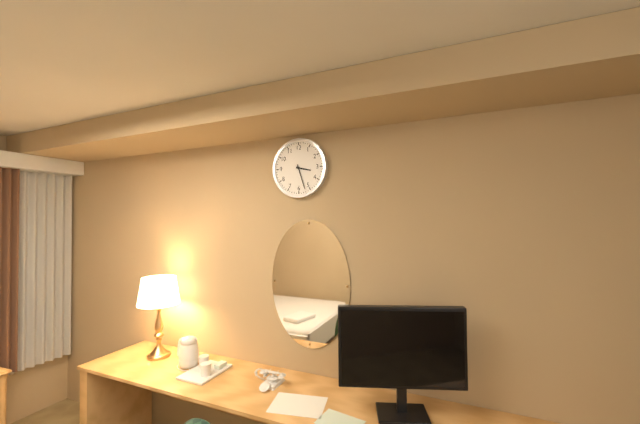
{"hour": 3, "minute": 27}
